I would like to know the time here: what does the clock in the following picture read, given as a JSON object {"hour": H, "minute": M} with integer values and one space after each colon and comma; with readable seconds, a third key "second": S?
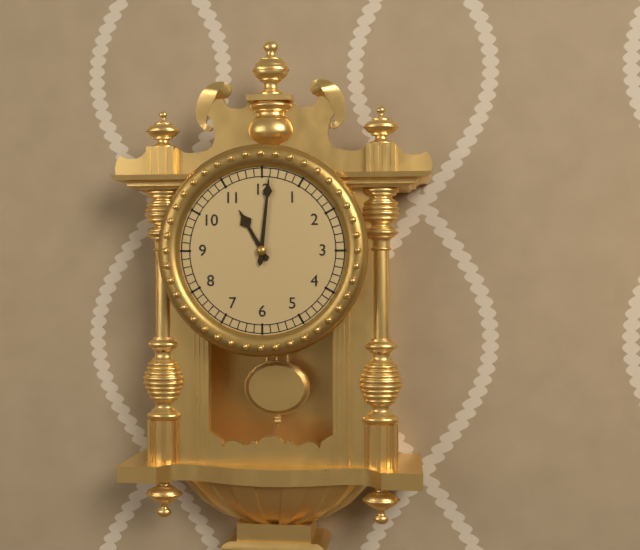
{"hour": 11, "minute": 1}
